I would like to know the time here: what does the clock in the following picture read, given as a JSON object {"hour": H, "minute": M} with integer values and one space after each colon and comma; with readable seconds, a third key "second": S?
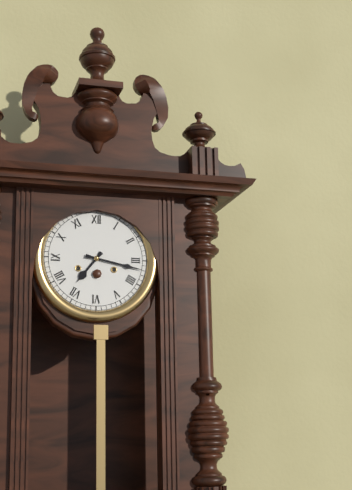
{"hour": 7, "minute": 17}
